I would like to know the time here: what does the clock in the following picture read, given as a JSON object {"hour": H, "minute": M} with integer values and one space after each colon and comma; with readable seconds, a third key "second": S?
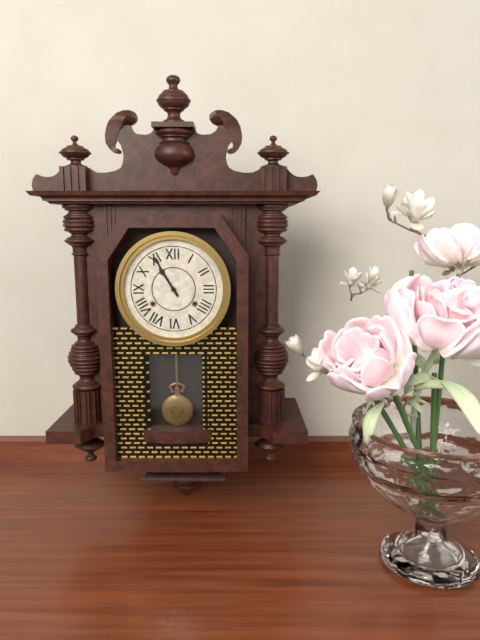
{"hour": 10, "minute": 55}
